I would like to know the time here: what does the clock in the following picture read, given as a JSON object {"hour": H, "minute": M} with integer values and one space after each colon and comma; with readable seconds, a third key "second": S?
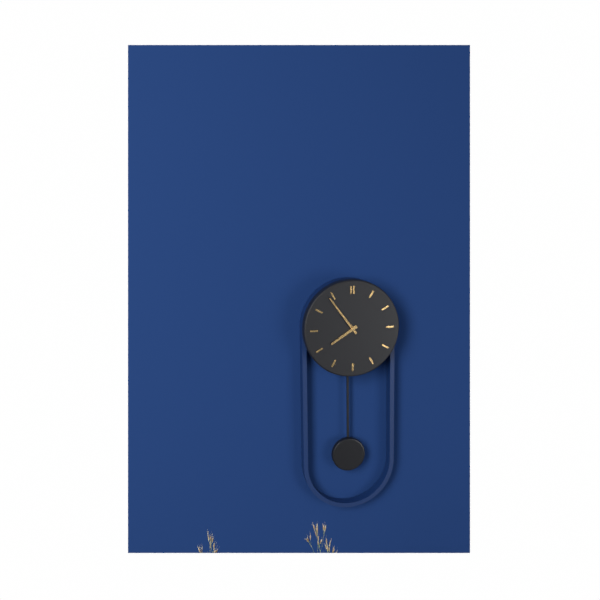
{"hour": 7, "minute": 54}
